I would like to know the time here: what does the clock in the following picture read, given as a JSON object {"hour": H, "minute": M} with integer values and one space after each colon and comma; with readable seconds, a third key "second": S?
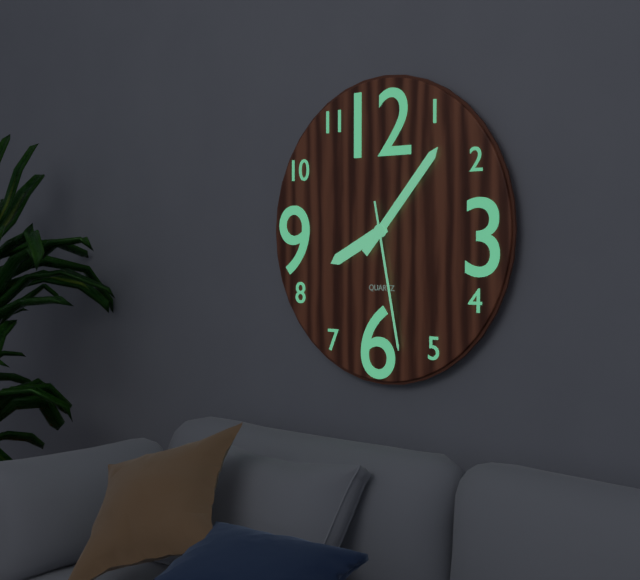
{"hour": 8, "minute": 7, "second": 28}
